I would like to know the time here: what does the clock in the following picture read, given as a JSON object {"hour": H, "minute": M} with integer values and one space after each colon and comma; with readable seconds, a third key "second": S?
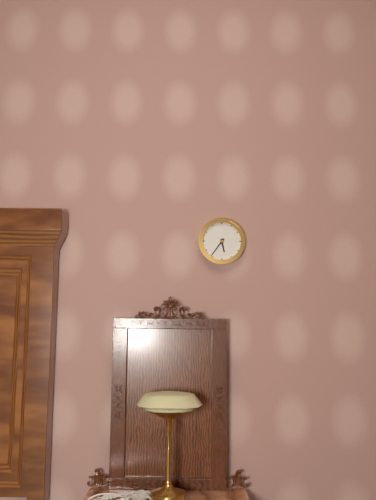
{"hour": 5, "minute": 36}
